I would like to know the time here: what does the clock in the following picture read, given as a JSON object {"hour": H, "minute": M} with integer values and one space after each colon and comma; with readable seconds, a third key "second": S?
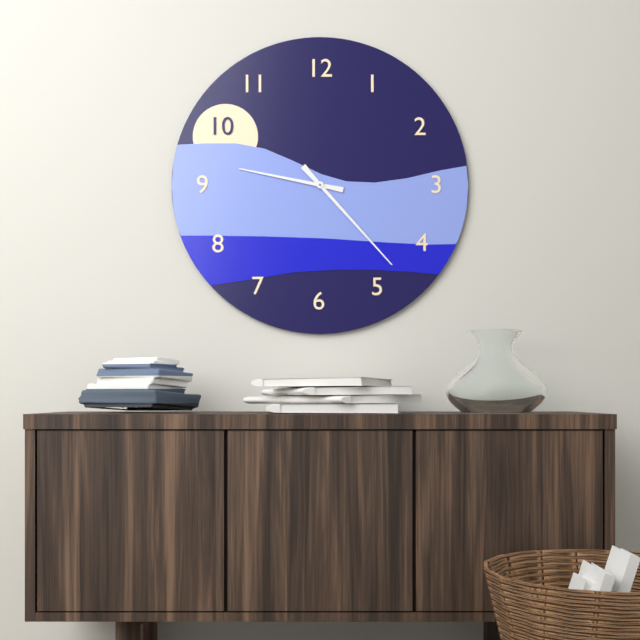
{"hour": 9, "minute": 23}
